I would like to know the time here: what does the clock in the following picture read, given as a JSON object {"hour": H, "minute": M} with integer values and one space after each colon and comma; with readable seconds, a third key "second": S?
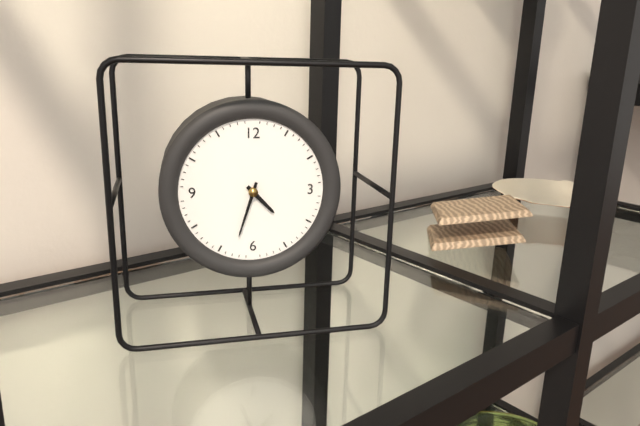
{"hour": 4, "minute": 33}
